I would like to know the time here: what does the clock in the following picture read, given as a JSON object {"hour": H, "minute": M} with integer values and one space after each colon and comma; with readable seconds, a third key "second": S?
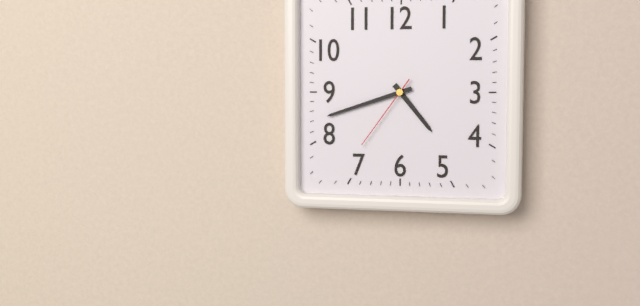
{"hour": 4, "minute": 42, "second": 36}
